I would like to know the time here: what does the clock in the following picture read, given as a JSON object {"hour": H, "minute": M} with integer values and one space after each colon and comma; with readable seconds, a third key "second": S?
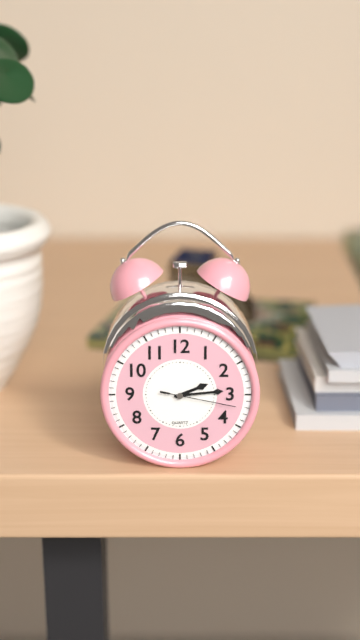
{"hour": 2, "minute": 14, "second": 17}
